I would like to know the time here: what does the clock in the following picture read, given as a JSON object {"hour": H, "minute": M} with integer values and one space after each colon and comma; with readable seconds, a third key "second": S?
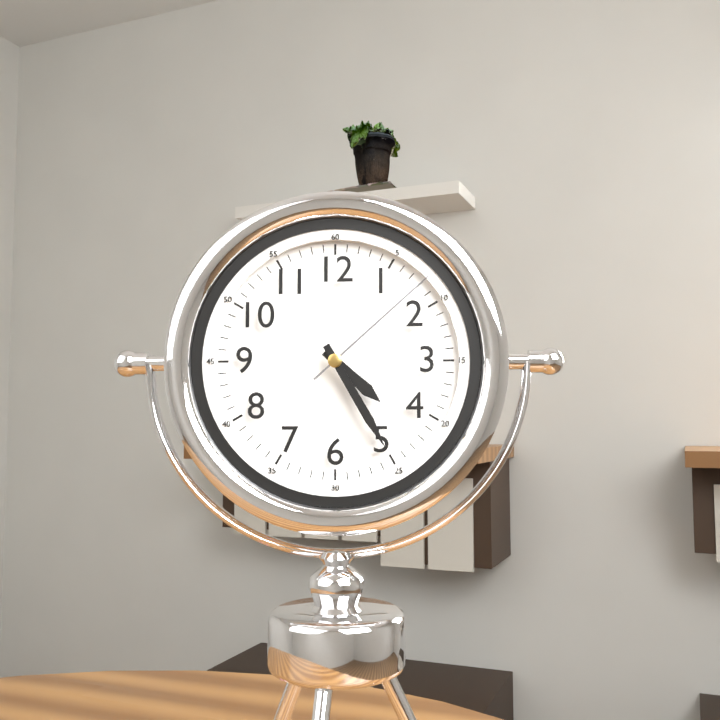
{"hour": 4, "minute": 25, "second": 8}
